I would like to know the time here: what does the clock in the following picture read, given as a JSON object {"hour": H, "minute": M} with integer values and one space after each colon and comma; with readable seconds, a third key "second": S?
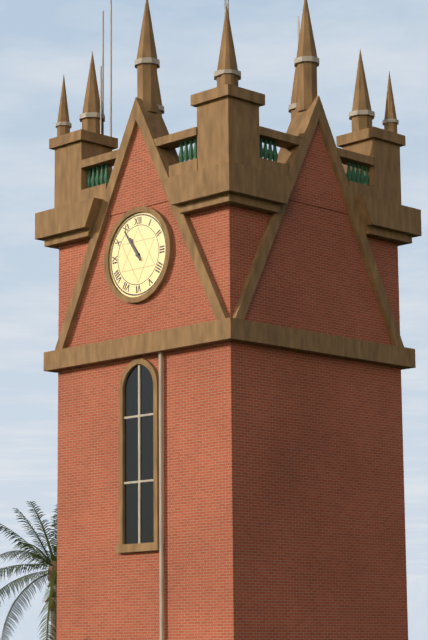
{"hour": 10, "minute": 54}
